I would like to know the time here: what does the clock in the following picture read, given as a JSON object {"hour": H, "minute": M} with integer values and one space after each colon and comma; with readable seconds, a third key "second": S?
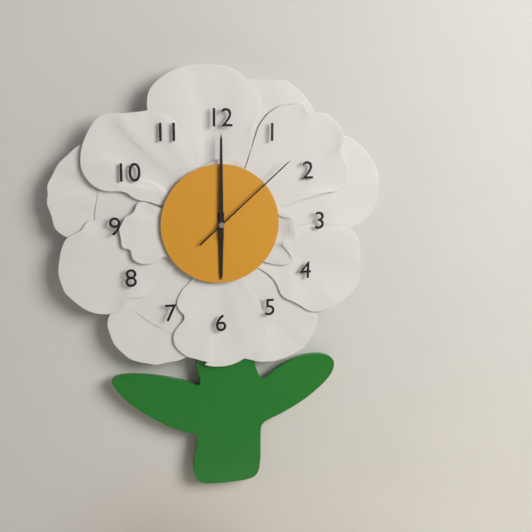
{"hour": 6, "minute": 0, "second": 8}
